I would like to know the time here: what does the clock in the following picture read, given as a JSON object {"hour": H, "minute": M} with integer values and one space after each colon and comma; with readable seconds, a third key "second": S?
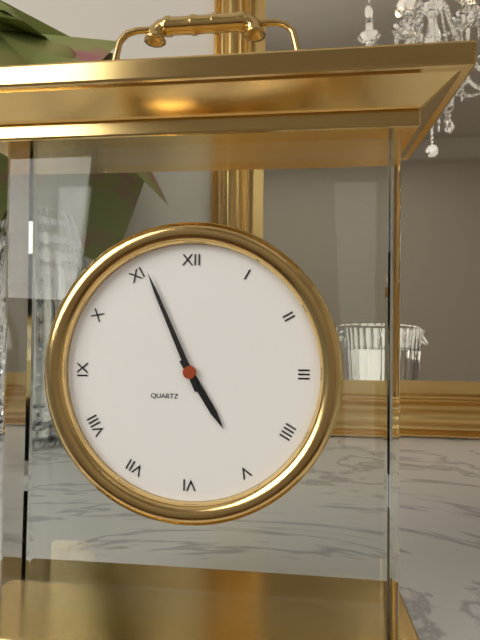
{"hour": 4, "minute": 56}
